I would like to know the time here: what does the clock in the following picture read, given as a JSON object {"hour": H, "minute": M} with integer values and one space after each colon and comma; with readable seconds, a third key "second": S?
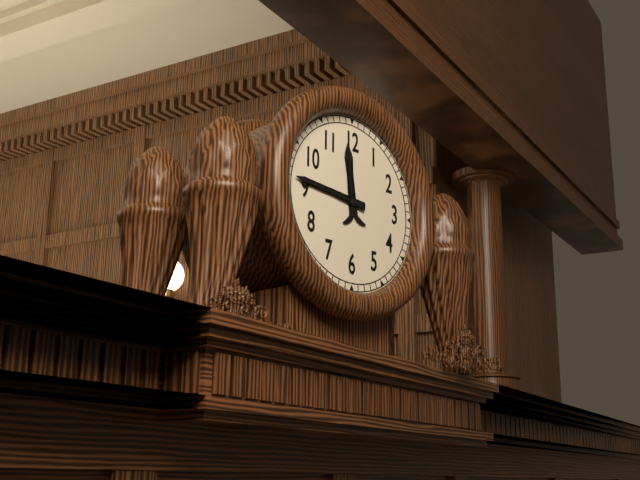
{"hour": 11, "minute": 46}
